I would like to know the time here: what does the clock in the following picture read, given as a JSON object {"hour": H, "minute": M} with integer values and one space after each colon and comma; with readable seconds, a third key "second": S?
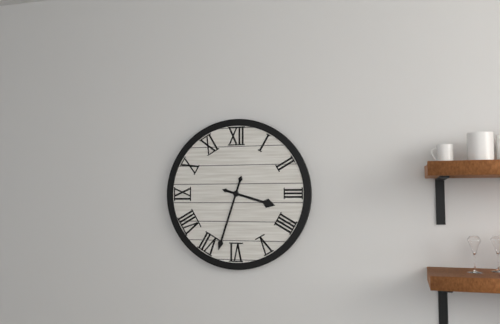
{"hour": 3, "minute": 33}
